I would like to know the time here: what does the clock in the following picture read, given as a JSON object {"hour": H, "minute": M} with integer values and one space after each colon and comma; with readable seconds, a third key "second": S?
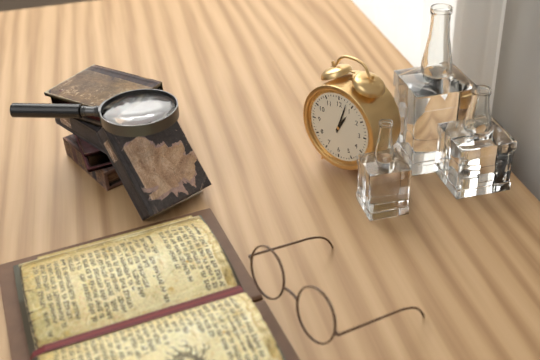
{"hour": 1, "minute": 3}
